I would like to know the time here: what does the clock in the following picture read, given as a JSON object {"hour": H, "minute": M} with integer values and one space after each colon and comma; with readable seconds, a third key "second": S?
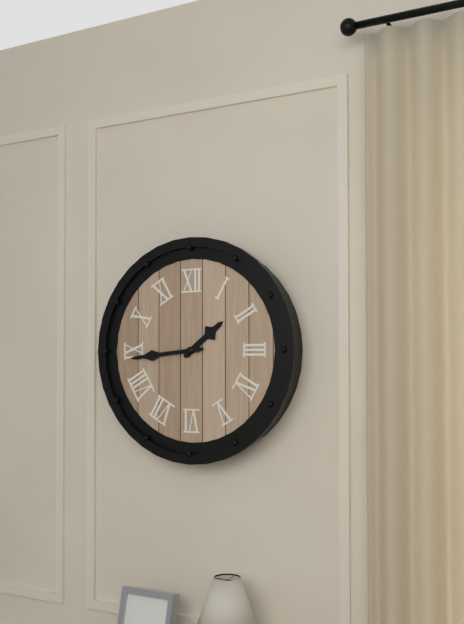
{"hour": 1, "minute": 44}
